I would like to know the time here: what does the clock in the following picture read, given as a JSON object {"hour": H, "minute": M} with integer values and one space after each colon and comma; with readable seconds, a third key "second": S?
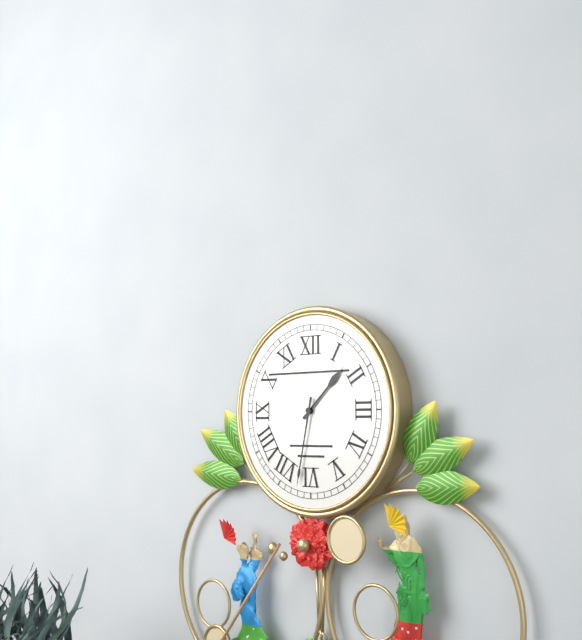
{"hour": 1, "minute": 32}
